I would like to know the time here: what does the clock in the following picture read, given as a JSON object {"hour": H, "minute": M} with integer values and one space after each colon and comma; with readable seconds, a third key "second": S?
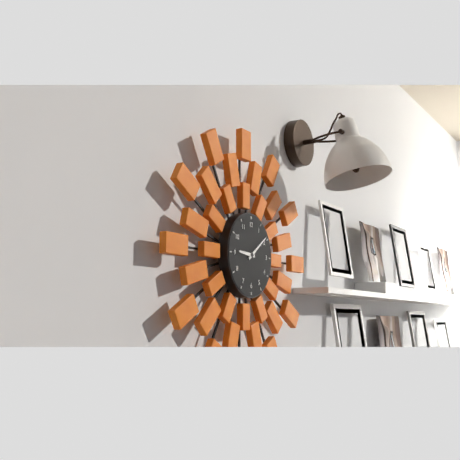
{"hour": 9, "minute": 9}
